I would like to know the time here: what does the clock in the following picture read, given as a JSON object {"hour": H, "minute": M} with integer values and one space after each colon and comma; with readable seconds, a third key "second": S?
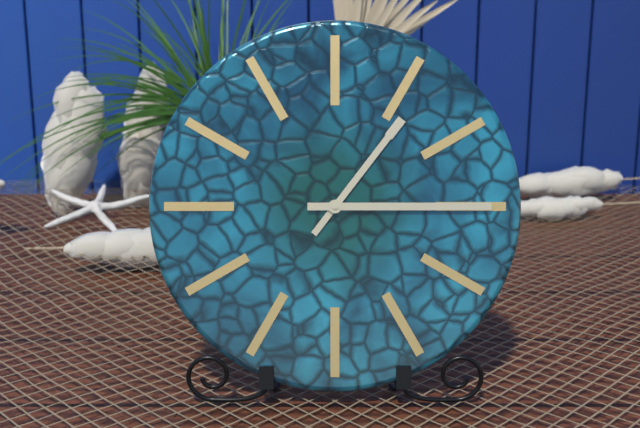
{"hour": 1, "minute": 15}
